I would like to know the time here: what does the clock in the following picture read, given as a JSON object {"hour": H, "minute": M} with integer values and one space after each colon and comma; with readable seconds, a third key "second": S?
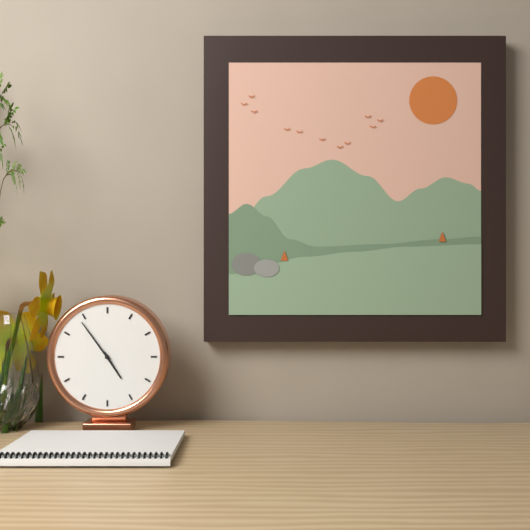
{"hour": 4, "minute": 54}
